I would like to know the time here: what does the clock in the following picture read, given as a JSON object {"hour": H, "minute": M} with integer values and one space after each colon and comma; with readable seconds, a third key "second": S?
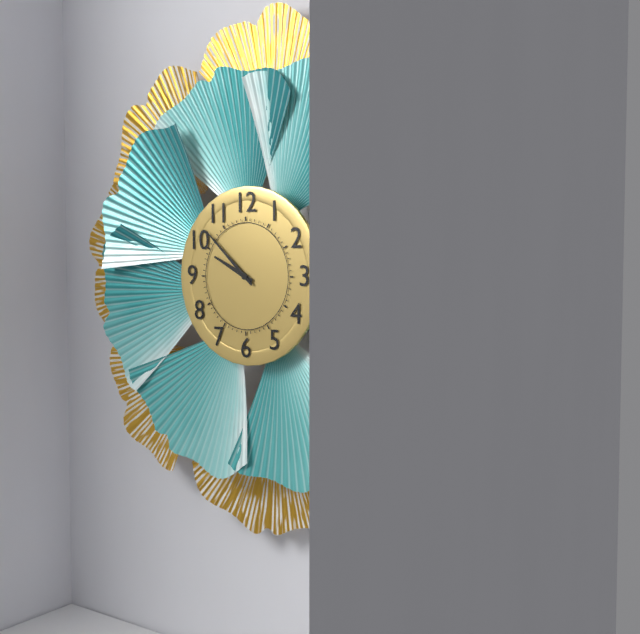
{"hour": 9, "minute": 52}
